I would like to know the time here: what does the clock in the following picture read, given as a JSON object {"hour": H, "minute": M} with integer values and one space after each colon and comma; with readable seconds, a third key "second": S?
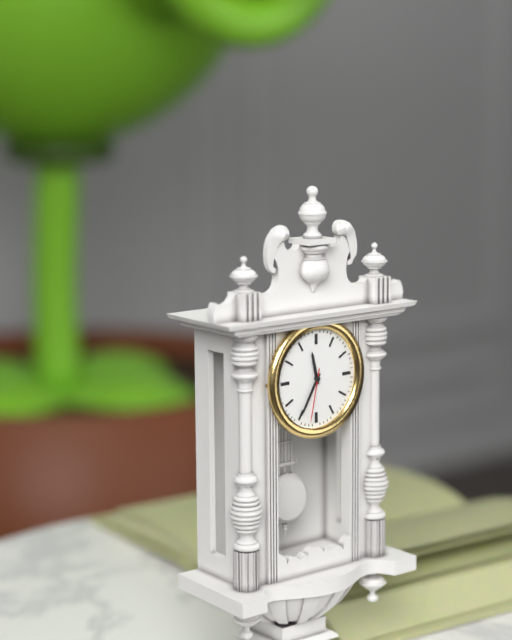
{"hour": 11, "minute": 35, "second": 32}
